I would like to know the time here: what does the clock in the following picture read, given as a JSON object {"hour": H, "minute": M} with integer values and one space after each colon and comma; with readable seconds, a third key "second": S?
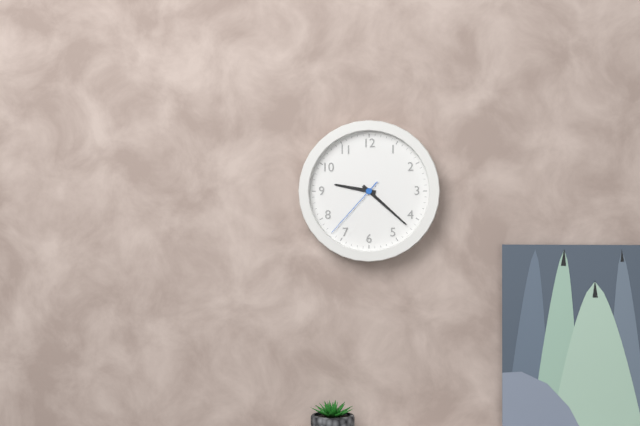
{"hour": 9, "minute": 22, "second": 37}
